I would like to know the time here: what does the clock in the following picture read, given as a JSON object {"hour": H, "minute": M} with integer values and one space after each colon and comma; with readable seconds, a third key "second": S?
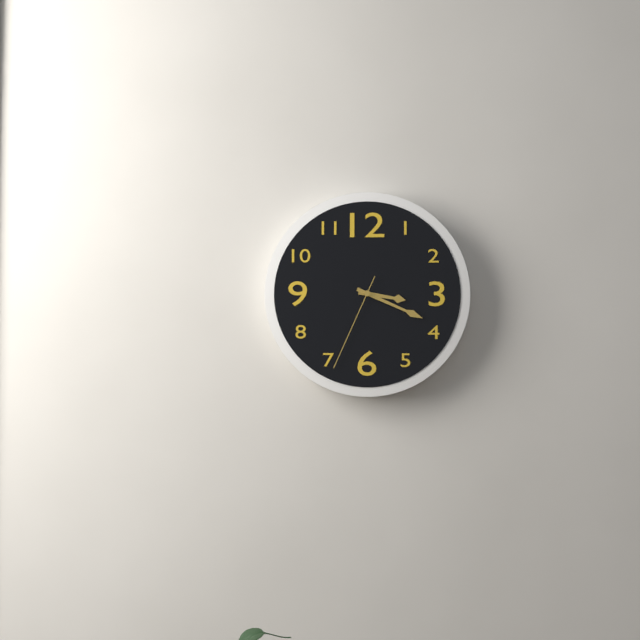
{"hour": 3, "minute": 19, "second": 34}
